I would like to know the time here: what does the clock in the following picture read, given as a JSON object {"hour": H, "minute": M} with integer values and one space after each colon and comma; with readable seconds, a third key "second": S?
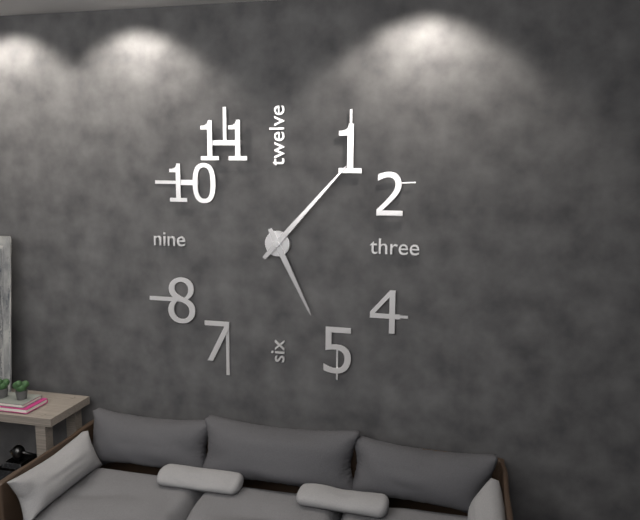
{"hour": 5, "minute": 7}
